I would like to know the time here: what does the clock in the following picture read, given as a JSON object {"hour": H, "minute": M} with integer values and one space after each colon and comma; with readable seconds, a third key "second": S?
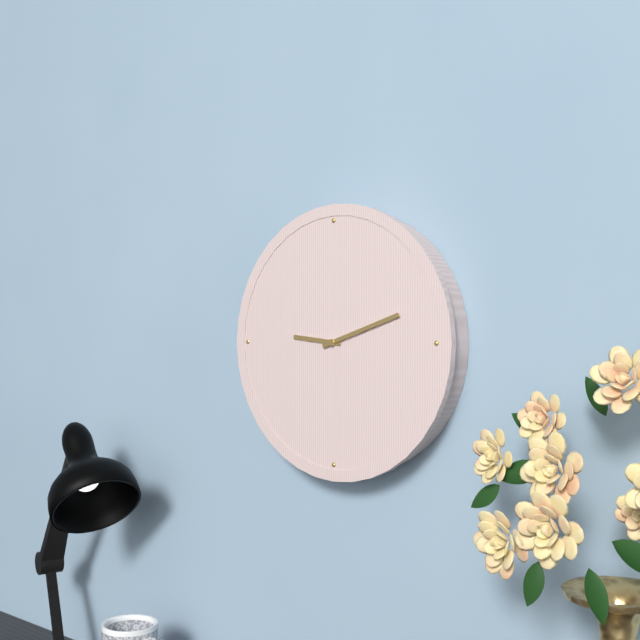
{"hour": 9, "minute": 12}
